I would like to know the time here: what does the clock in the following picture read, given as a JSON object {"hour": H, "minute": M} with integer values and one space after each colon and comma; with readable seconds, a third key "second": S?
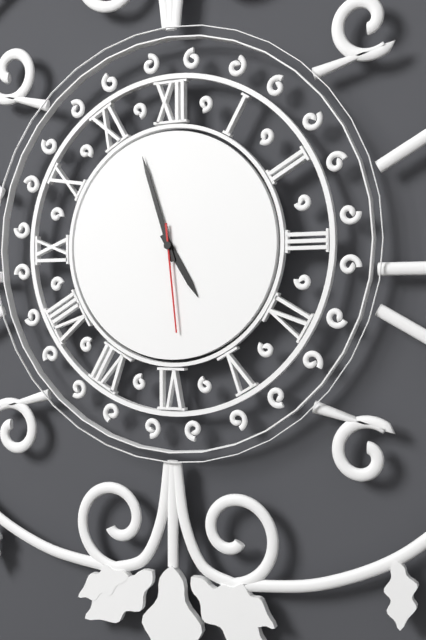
{"hour": 4, "minute": 57, "second": 29}
